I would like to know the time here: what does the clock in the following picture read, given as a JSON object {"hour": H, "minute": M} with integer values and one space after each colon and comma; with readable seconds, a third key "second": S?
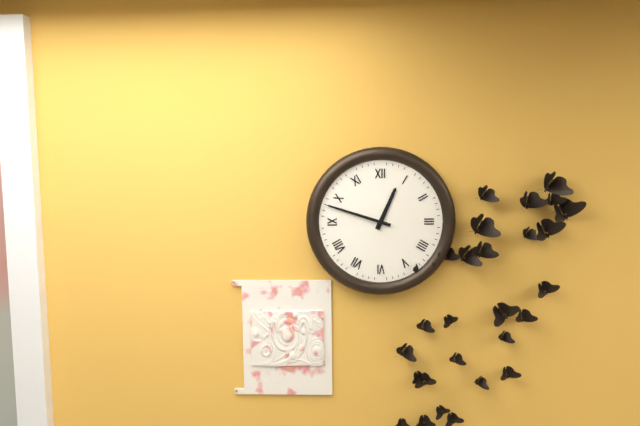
{"hour": 12, "minute": 48}
